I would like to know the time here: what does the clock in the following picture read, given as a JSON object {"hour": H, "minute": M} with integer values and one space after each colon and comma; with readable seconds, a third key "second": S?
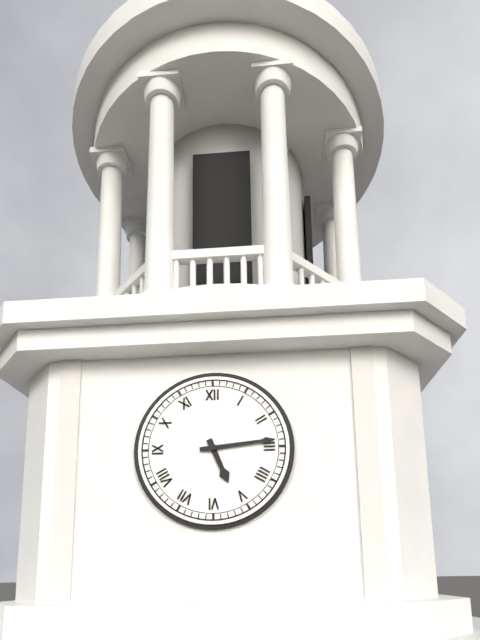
{"hour": 5, "minute": 14}
